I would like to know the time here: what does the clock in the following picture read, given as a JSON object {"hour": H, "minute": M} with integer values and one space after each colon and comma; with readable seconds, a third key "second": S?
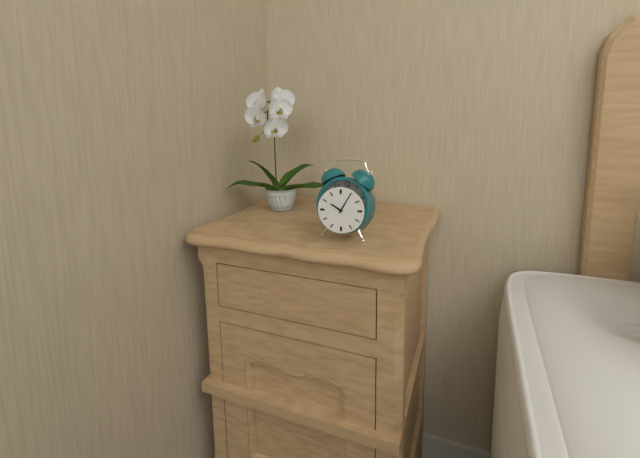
{"hour": 10, "minute": 5}
